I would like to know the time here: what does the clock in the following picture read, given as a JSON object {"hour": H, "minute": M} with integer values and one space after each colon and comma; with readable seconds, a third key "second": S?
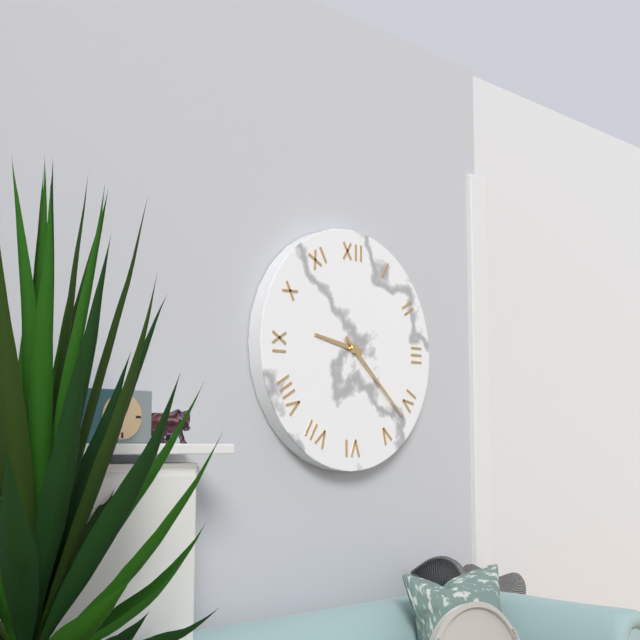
{"hour": 9, "minute": 22}
